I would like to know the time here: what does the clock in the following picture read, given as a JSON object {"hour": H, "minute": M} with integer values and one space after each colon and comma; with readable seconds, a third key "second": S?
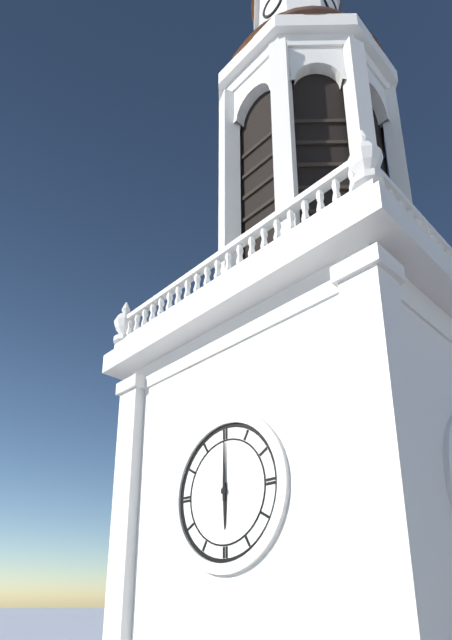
{"hour": 6, "minute": 0}
